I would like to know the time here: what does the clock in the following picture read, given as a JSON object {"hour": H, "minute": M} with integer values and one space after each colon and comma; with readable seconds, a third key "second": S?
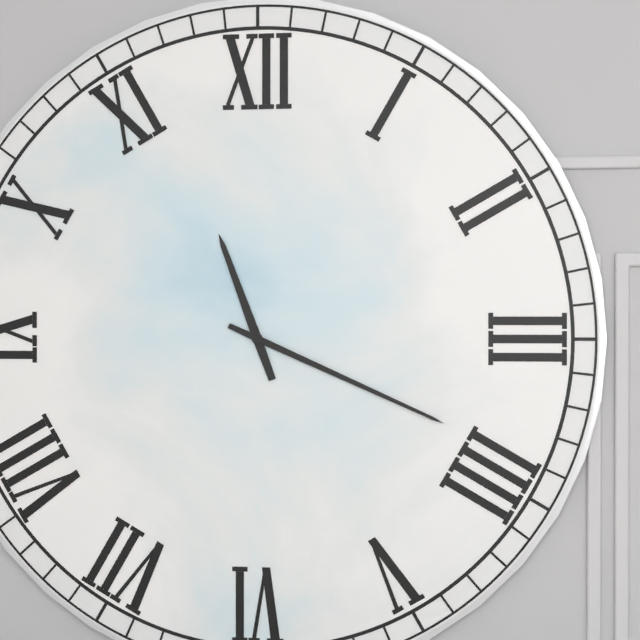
{"hour": 11, "minute": 19}
